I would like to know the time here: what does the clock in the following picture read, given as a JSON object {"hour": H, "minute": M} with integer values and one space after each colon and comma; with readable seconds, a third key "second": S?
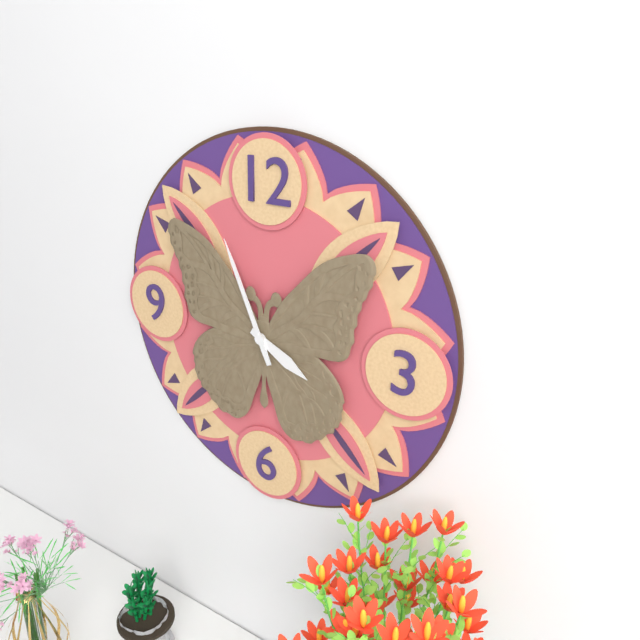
{"hour": 3, "minute": 56}
